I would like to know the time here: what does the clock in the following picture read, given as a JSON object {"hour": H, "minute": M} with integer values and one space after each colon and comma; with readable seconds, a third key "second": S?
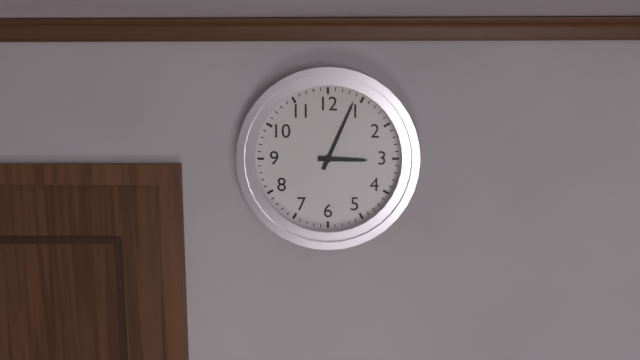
{"hour": 3, "minute": 4}
